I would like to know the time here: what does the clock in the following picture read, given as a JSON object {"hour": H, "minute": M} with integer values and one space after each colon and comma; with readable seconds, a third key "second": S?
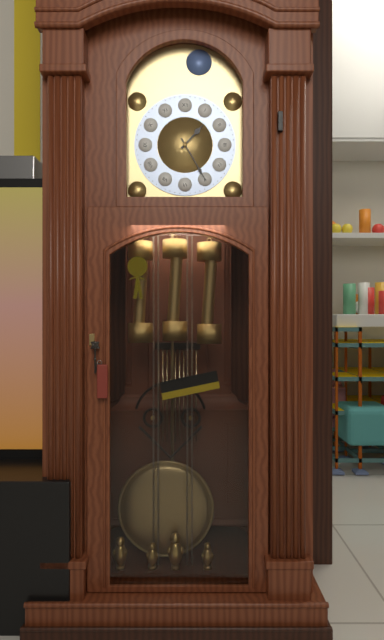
{"hour": 1, "minute": 25}
